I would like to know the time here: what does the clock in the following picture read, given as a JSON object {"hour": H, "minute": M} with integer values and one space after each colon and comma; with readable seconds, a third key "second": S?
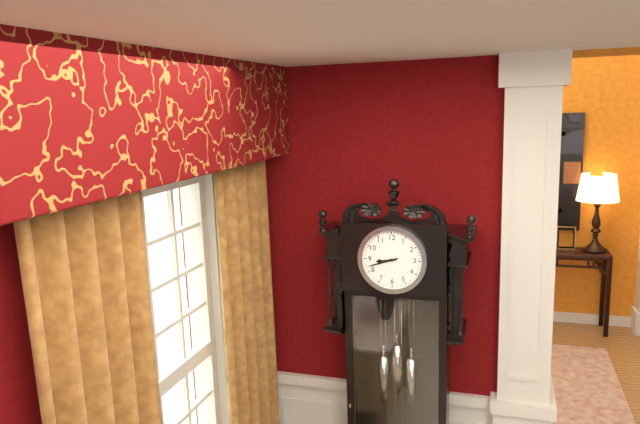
{"hour": 8, "minute": 42}
